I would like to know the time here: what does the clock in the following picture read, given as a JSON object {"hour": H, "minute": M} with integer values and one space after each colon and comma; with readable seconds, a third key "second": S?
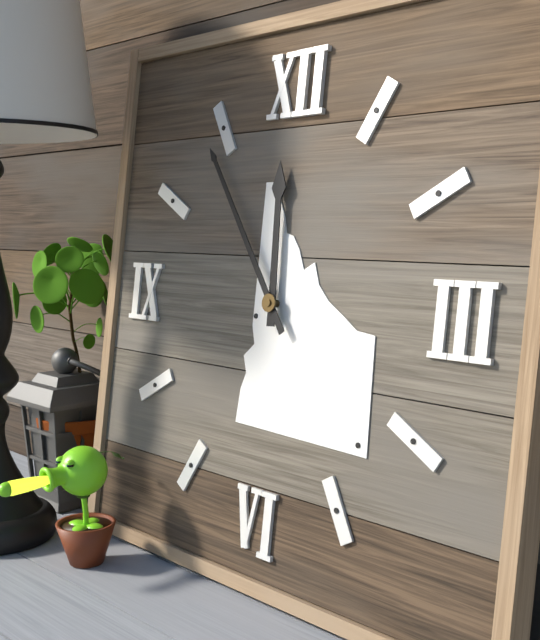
{"hour": 11, "minute": 54}
